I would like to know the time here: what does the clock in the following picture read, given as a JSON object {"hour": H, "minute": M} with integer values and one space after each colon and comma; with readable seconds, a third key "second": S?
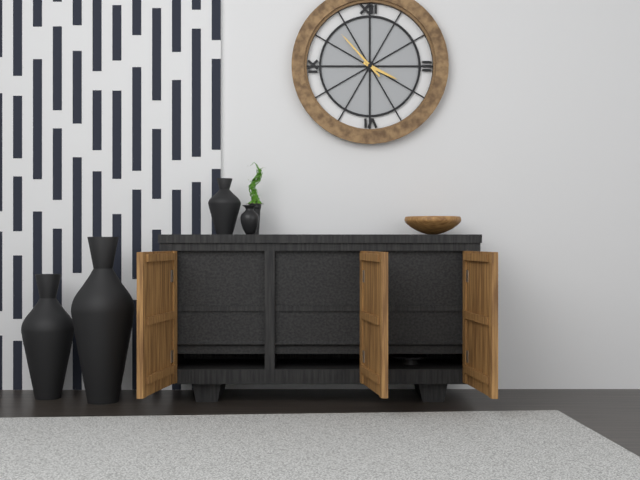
{"hour": 3, "minute": 53}
